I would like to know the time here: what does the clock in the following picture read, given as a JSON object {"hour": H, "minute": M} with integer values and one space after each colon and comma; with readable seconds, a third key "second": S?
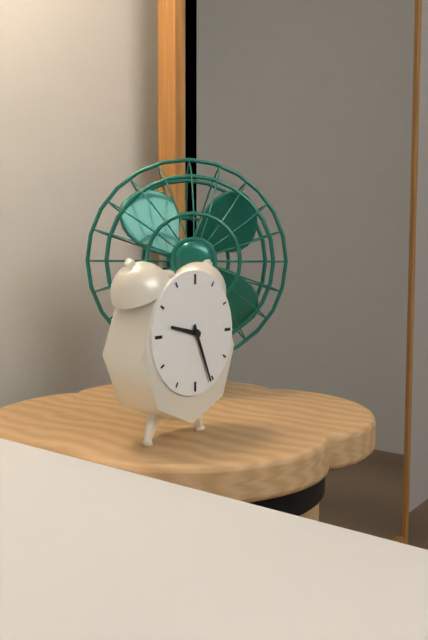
{"hour": 9, "minute": 26}
